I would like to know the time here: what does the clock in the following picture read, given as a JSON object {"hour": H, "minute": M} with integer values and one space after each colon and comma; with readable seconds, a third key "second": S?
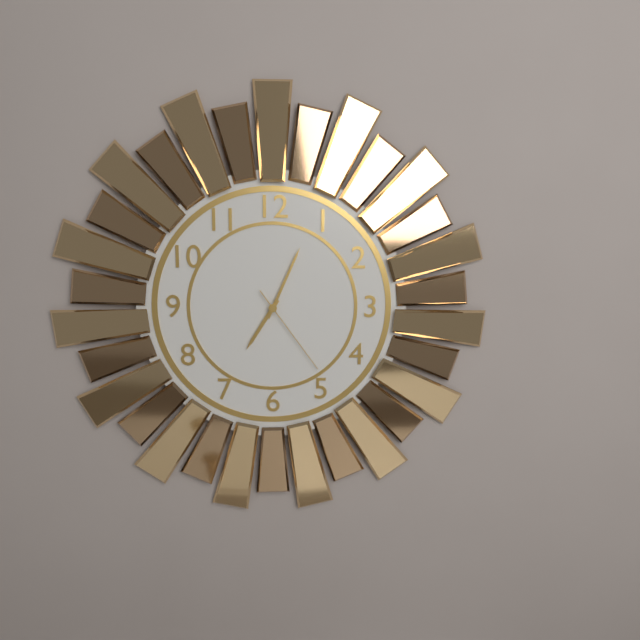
{"hour": 7, "minute": 4, "second": 24}
